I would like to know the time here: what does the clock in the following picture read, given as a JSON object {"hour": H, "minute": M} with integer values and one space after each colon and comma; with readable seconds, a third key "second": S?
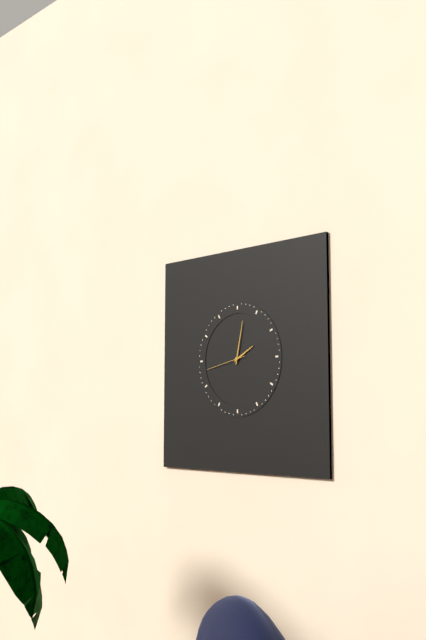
{"hour": 2, "minute": 2}
